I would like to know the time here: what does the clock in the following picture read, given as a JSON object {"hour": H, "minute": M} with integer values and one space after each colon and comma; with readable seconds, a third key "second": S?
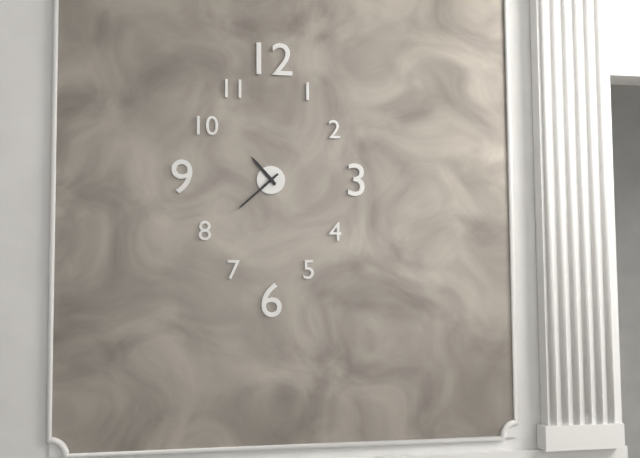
{"hour": 10, "minute": 38}
